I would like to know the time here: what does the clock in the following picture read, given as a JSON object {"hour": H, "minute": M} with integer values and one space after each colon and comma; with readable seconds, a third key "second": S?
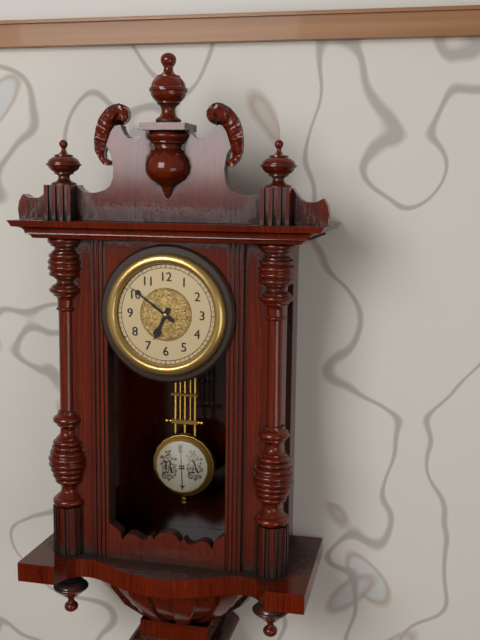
{"hour": 6, "minute": 51}
